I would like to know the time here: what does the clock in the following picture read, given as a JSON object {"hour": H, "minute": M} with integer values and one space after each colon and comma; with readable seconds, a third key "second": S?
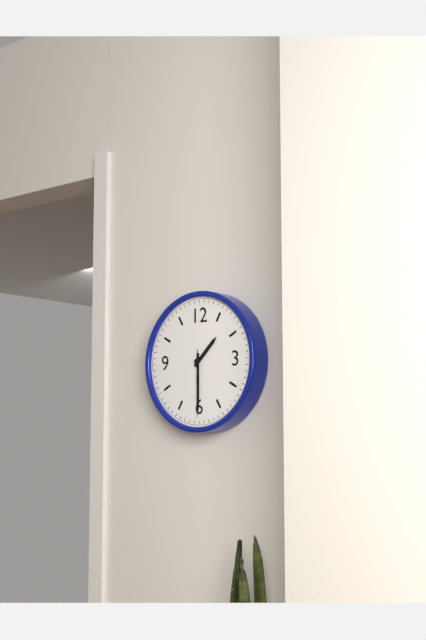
{"hour": 1, "minute": 30, "second": 30}
